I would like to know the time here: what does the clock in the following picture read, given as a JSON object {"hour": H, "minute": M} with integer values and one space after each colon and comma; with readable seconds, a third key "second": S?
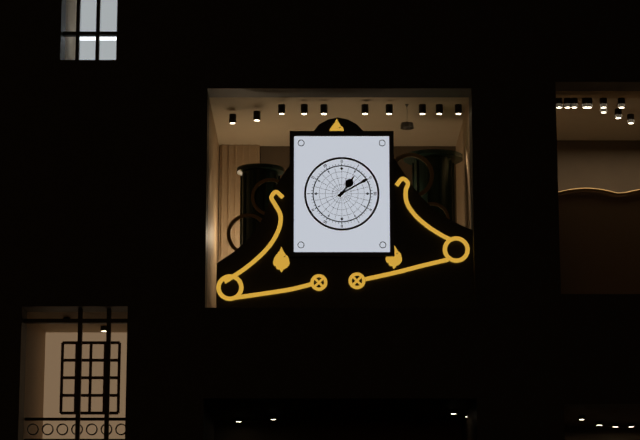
{"hour": 1, "minute": 10}
